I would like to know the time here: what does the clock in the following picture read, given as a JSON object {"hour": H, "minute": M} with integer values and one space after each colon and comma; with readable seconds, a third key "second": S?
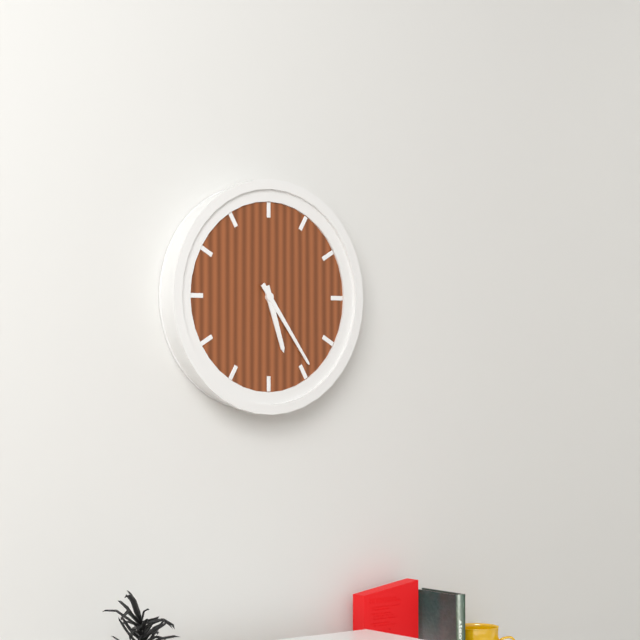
{"hour": 5, "minute": 24}
